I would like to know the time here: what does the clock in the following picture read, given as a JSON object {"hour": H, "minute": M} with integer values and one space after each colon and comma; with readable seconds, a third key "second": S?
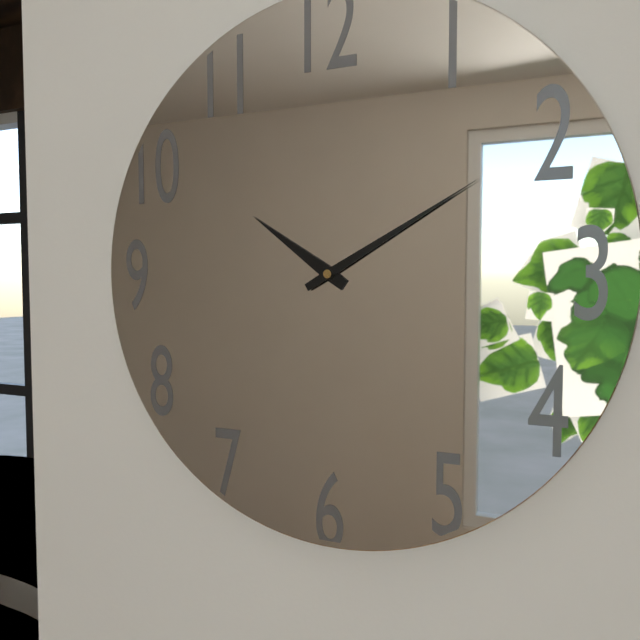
{"hour": 10, "minute": 10}
